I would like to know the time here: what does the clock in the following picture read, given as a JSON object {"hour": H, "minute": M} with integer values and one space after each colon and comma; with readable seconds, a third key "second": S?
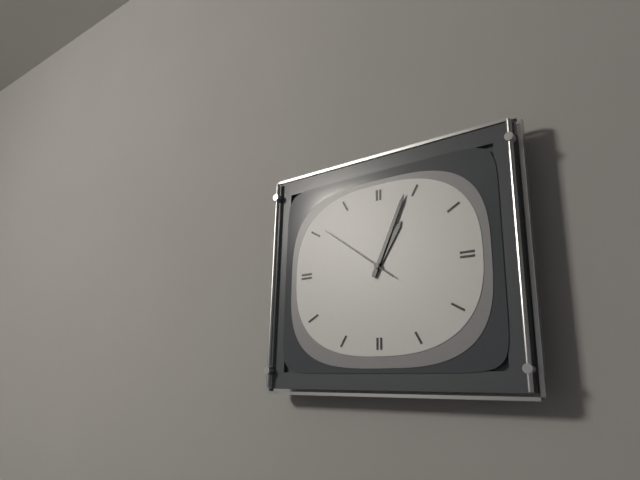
{"hour": 1, "minute": 4, "second": 51}
